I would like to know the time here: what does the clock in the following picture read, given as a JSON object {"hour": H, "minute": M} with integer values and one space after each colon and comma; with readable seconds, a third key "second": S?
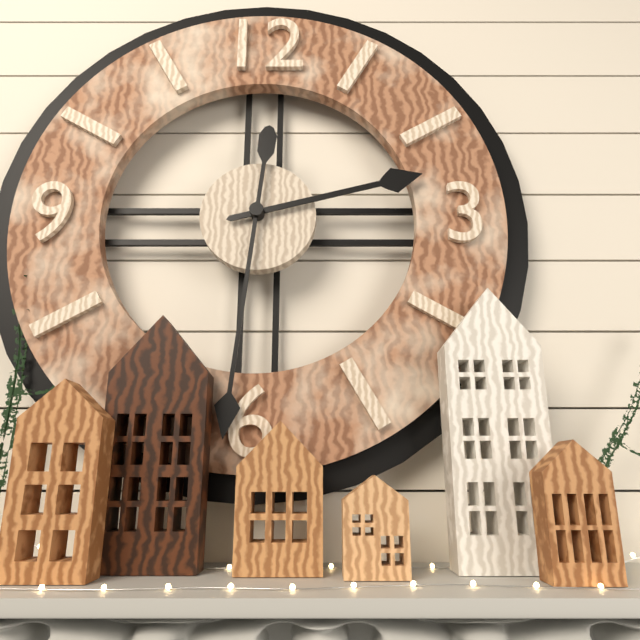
{"hour": 2, "minute": 31}
